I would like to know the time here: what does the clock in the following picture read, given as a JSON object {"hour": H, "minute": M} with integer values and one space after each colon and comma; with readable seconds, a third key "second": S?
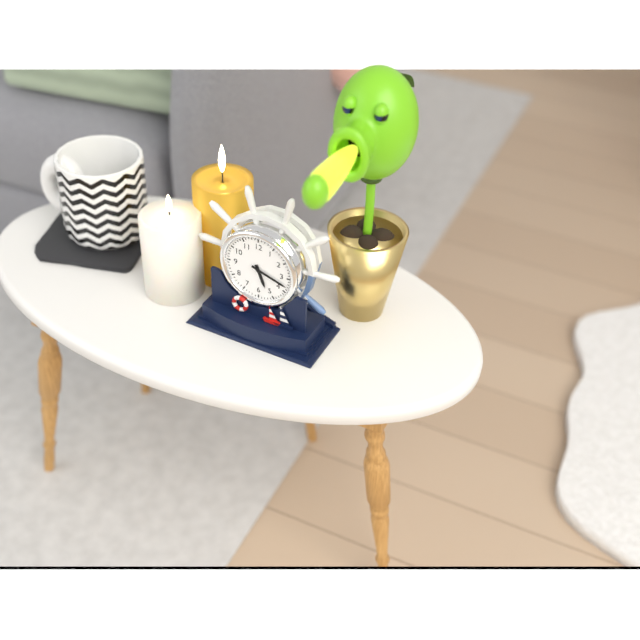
{"hour": 5, "minute": 18}
